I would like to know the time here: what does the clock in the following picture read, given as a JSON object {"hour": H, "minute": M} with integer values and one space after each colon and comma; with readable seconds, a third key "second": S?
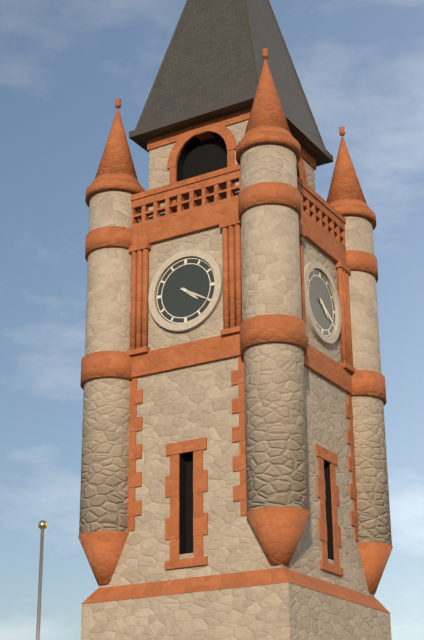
{"hour": 4, "minute": 20}
